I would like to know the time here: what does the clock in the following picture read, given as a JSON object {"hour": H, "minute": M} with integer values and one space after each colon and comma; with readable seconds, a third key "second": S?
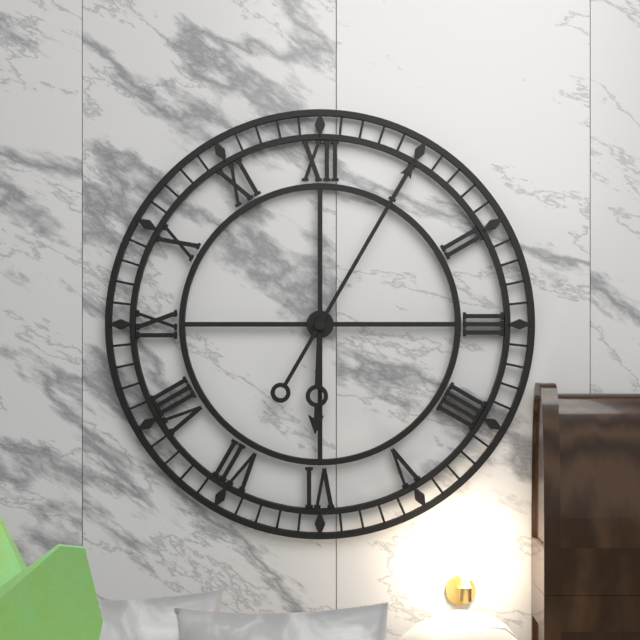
{"hour": 6, "minute": 5}
